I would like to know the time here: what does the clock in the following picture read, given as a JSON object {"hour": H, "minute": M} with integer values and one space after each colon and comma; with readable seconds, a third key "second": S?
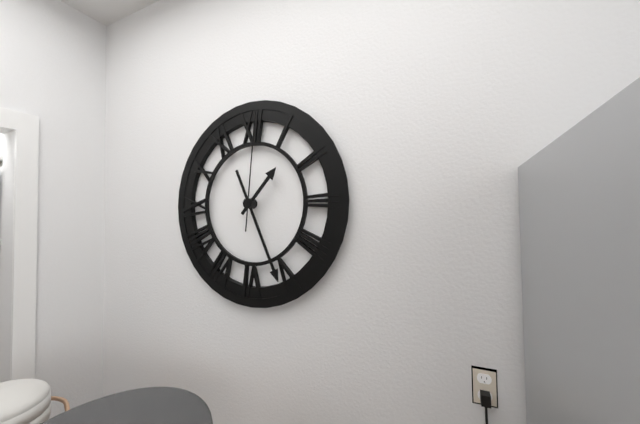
{"hour": 1, "minute": 26, "second": 1}
